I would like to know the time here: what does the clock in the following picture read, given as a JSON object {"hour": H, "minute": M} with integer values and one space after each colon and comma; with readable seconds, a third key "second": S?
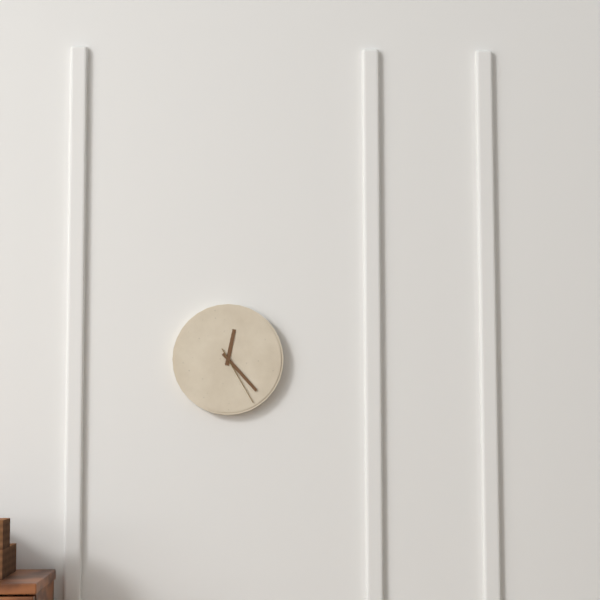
{"hour": 12, "minute": 23, "second": 25}
